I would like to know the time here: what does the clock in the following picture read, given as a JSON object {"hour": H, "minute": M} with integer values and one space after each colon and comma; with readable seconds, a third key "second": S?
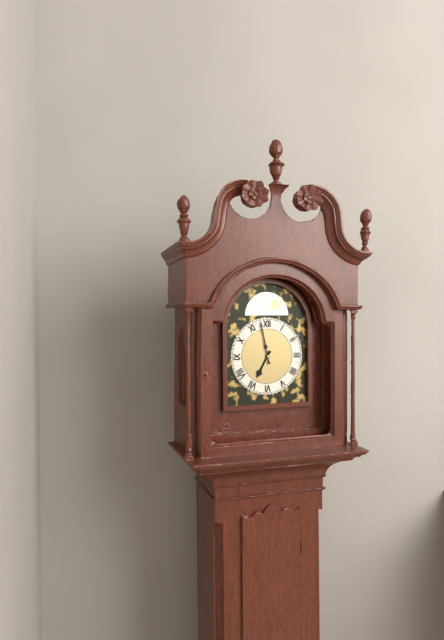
{"hour": 6, "minute": 58}
